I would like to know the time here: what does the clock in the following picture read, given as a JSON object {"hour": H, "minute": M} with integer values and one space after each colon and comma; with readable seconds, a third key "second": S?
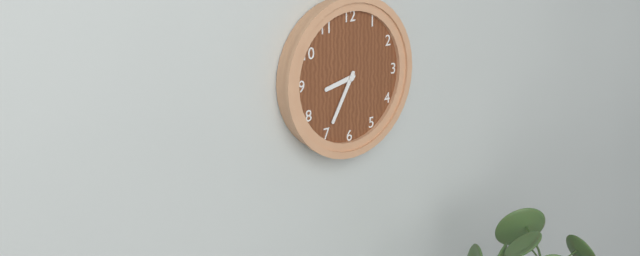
{"hour": 8, "minute": 35}
